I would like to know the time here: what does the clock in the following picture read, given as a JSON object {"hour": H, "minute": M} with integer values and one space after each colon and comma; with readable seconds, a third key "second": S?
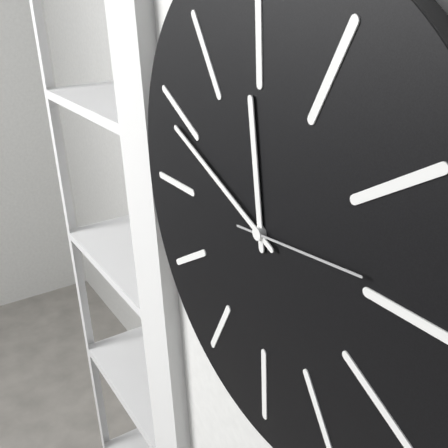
{"hour": 11, "minute": 49, "second": 14}
